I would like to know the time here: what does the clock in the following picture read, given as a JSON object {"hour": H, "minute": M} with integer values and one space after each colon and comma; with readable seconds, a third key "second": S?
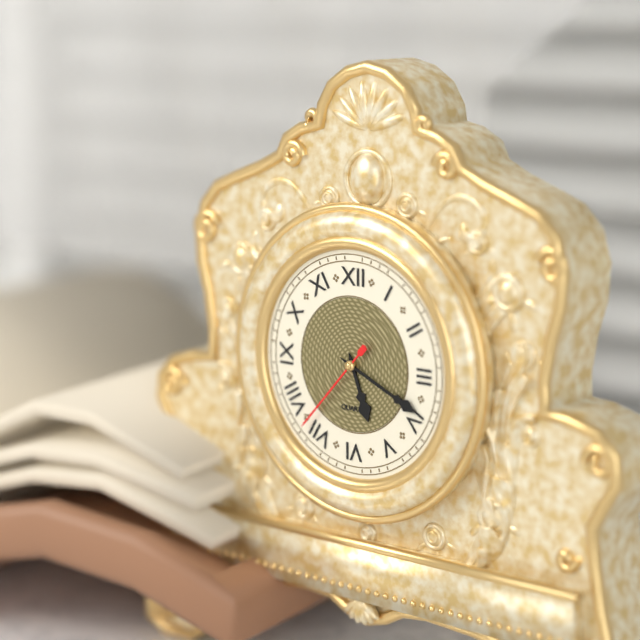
{"hour": 5, "minute": 19, "second": 37}
